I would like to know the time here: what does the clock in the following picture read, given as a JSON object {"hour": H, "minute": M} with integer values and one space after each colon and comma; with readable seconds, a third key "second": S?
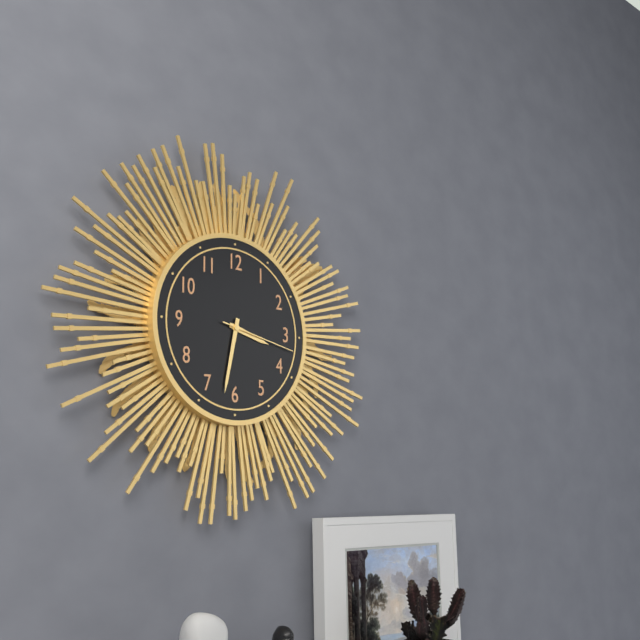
{"hour": 3, "minute": 32, "second": 17}
